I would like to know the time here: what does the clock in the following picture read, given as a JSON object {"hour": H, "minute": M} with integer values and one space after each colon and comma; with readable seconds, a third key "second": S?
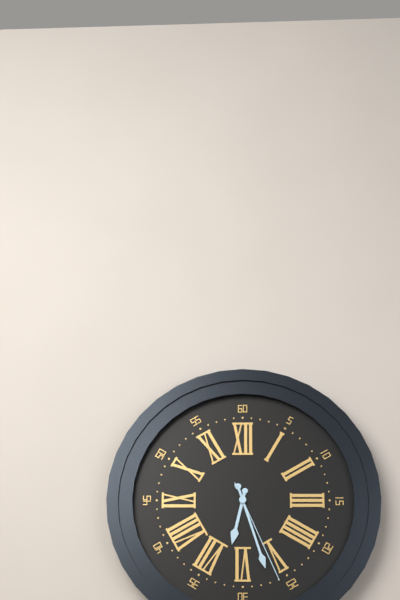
{"hour": 6, "minute": 27, "second": 26}
